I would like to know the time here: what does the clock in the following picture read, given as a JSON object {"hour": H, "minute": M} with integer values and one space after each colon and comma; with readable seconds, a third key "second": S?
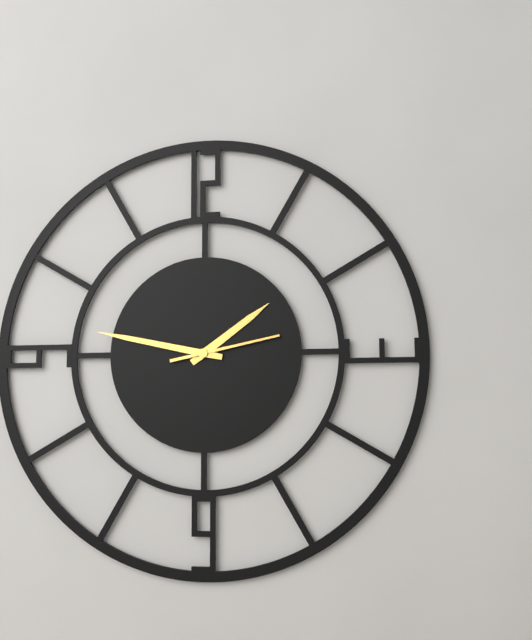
{"hour": 1, "minute": 47, "second": 13}
